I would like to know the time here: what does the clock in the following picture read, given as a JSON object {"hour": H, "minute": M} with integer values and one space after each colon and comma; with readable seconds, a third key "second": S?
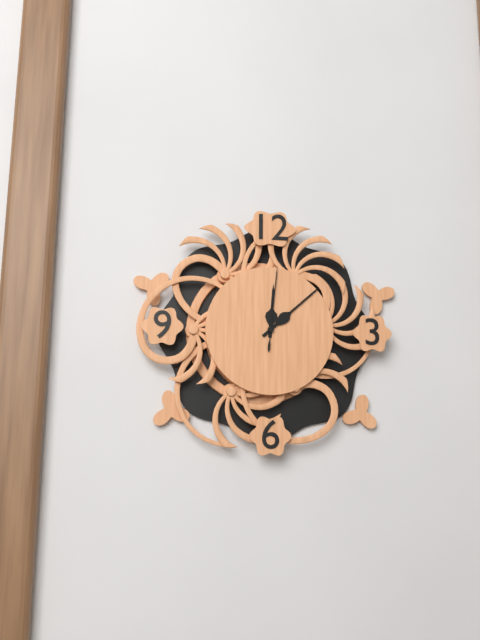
{"hour": 12, "minute": 8, "second": 1}
